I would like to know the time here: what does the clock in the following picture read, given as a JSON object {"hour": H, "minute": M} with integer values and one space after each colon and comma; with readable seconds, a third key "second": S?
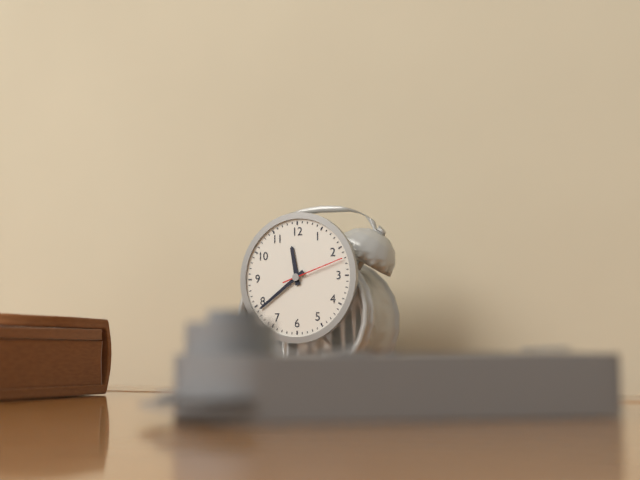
{"hour": 11, "minute": 39, "second": 12}
